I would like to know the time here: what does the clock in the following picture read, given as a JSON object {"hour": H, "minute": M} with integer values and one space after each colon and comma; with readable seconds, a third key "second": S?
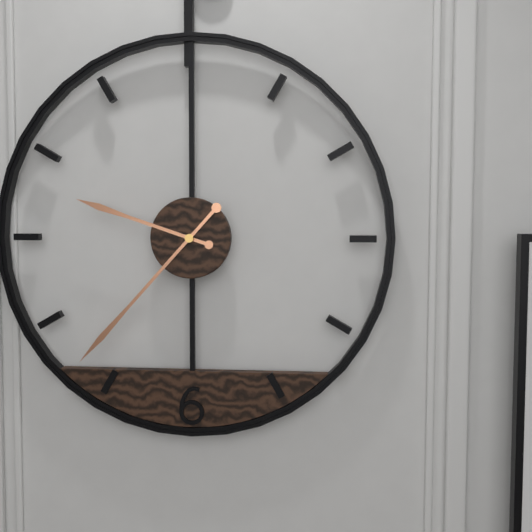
{"hour": 9, "minute": 37}
